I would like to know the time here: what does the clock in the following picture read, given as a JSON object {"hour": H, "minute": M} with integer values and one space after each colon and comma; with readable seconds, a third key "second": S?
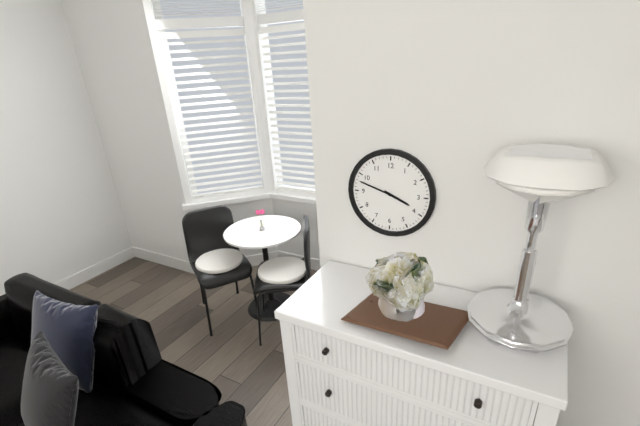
{"hour": 3, "minute": 48}
